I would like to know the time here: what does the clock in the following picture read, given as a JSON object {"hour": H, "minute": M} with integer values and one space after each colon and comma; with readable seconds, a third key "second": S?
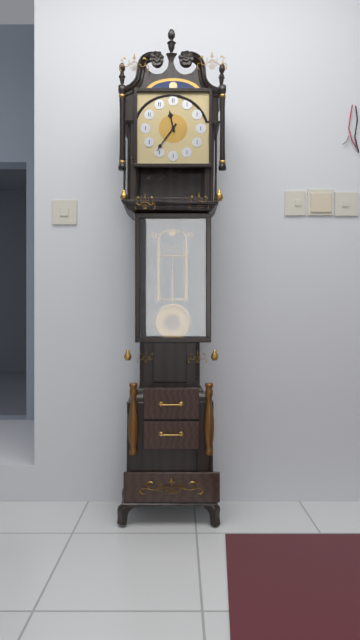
{"hour": 11, "minute": 36}
